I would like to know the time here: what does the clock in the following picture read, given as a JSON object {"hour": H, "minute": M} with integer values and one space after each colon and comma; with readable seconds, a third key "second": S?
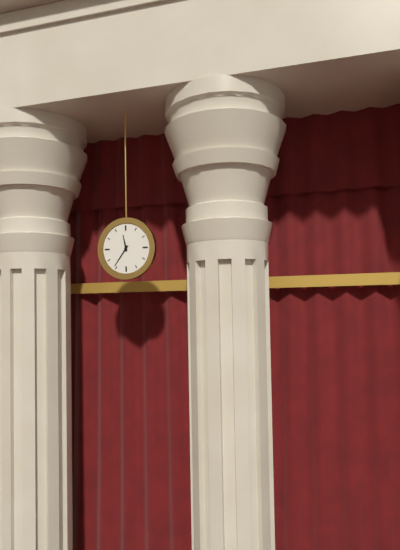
{"hour": 11, "minute": 36}
